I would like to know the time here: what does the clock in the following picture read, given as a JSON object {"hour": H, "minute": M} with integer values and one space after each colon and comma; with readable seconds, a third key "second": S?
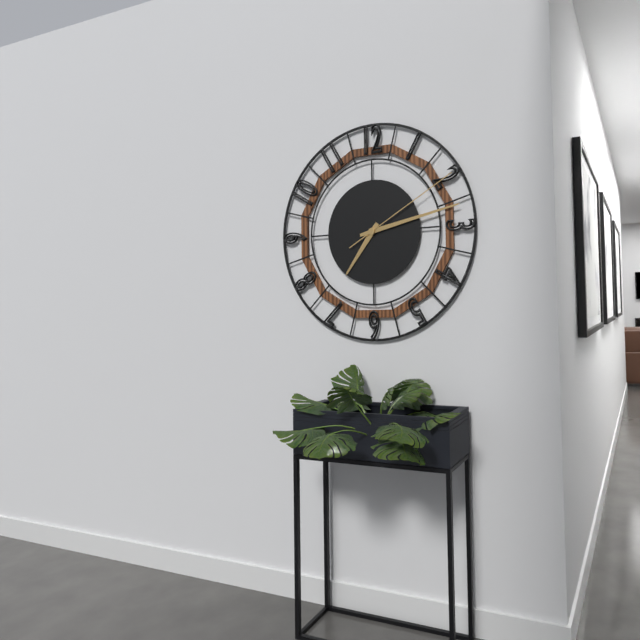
{"hour": 7, "minute": 13, "second": 10}
